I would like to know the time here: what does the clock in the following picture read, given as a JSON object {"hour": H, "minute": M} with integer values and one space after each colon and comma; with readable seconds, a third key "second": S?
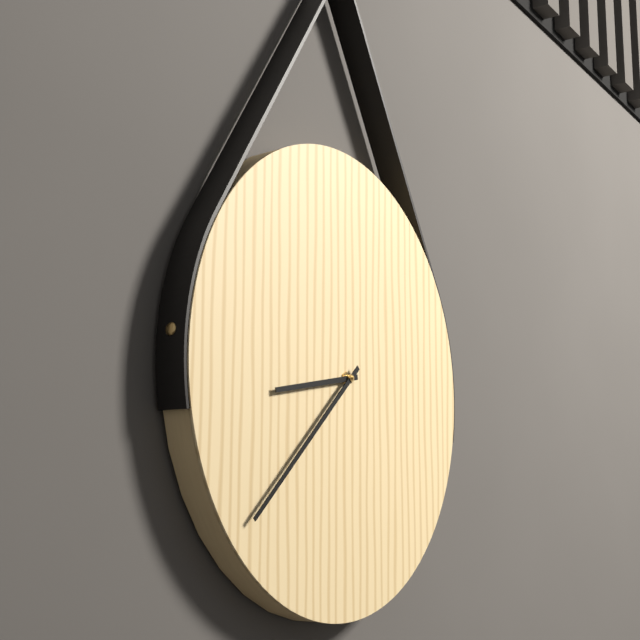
{"hour": 8, "minute": 38}
